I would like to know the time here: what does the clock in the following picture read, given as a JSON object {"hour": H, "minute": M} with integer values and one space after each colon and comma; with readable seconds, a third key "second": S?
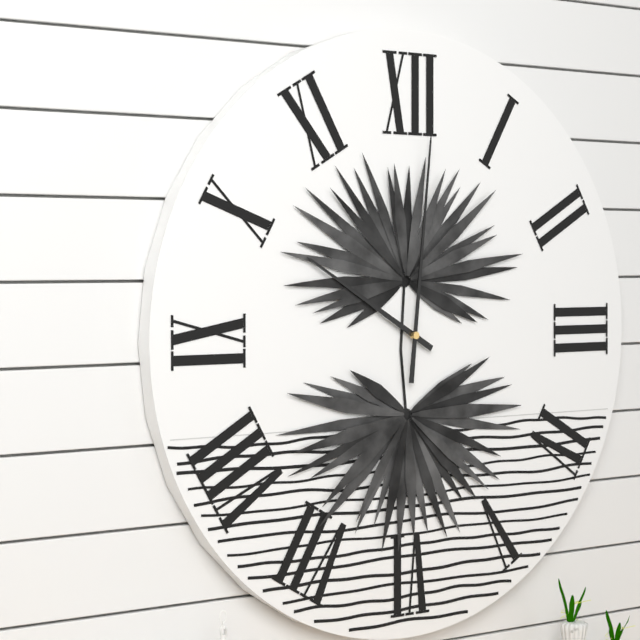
{"hour": 10, "minute": 1}
